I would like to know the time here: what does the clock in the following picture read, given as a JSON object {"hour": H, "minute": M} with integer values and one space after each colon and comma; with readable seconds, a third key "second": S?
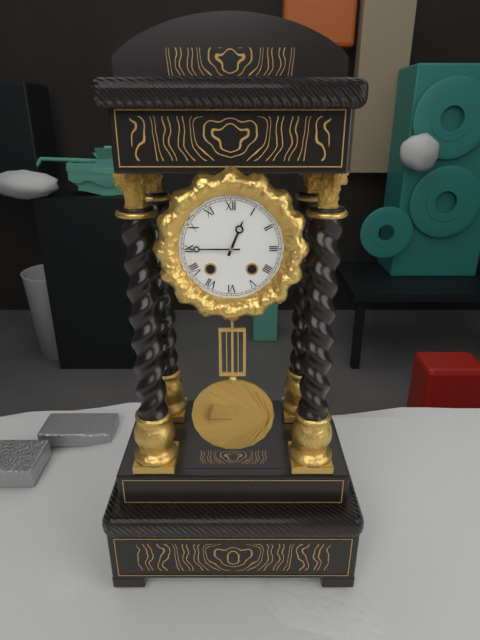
{"hour": 12, "minute": 45}
